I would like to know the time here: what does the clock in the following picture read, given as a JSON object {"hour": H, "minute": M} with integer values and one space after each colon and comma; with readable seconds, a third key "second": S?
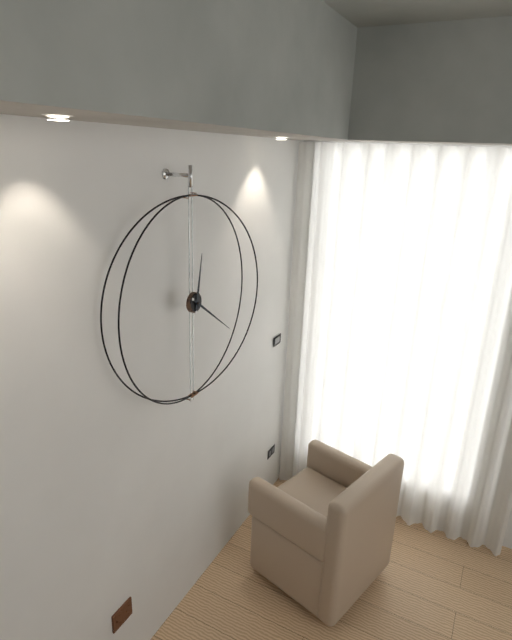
{"hour": 12, "minute": 21}
